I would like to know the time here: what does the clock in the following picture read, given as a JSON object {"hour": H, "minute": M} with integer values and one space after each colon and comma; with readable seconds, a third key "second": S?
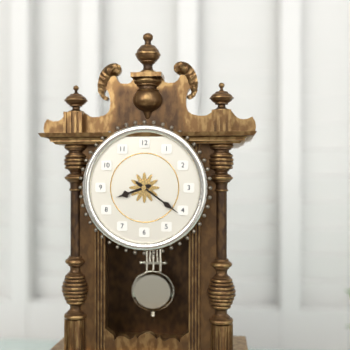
{"hour": 8, "minute": 21}
